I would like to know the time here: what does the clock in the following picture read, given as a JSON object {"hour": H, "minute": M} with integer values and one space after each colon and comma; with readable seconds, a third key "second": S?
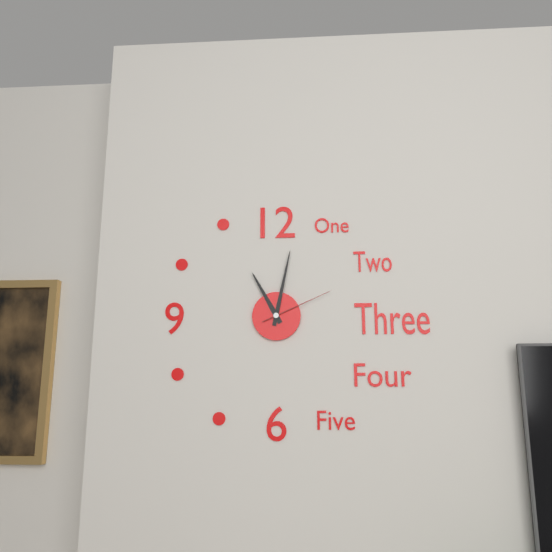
{"hour": 11, "minute": 2, "second": 11}
